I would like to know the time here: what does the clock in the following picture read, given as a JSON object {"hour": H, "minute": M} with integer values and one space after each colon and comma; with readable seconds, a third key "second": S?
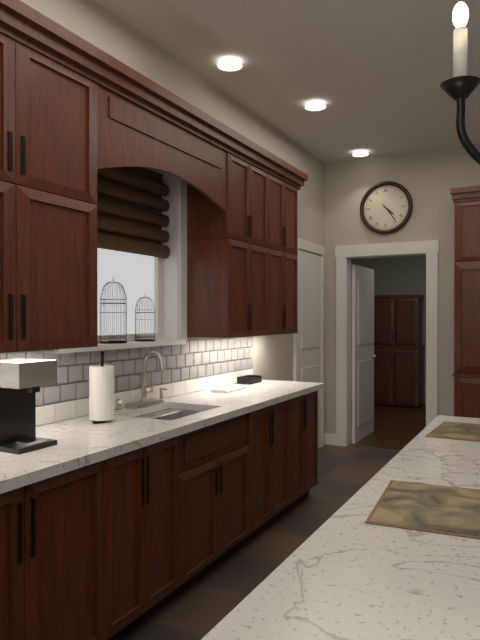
{"hour": 4, "minute": 24}
